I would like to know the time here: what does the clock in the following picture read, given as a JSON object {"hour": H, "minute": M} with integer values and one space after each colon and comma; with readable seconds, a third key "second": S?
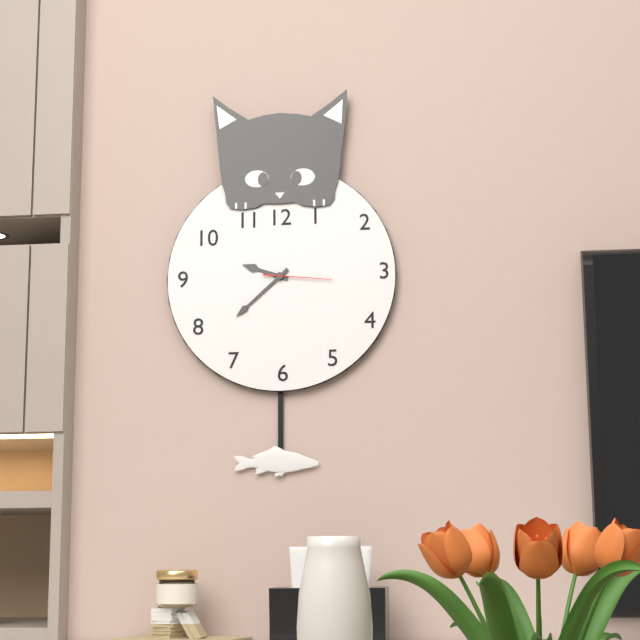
{"hour": 9, "minute": 38, "second": 16}
